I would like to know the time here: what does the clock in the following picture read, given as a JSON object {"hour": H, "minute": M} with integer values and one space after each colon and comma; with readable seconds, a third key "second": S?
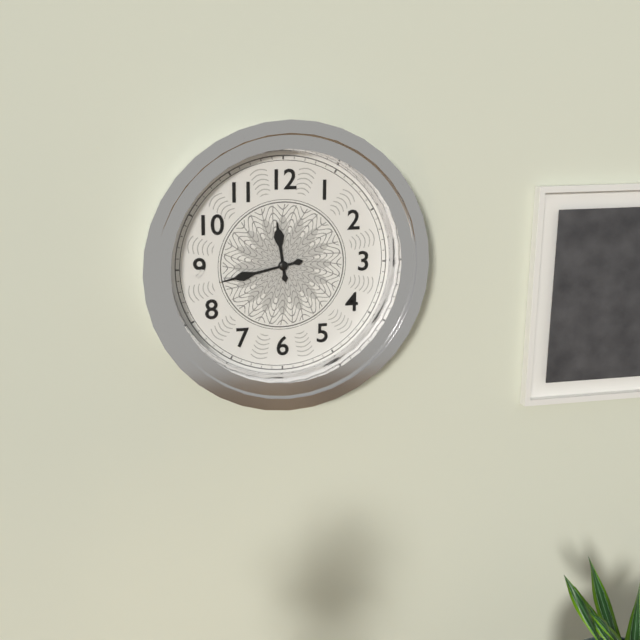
{"hour": 11, "minute": 43}
